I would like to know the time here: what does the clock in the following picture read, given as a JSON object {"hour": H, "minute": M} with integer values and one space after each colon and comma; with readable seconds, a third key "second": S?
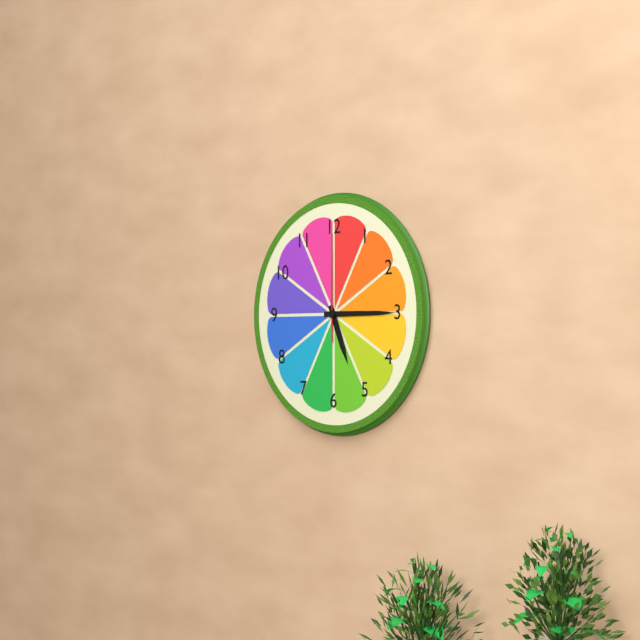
{"hour": 5, "minute": 15, "second": 0}
